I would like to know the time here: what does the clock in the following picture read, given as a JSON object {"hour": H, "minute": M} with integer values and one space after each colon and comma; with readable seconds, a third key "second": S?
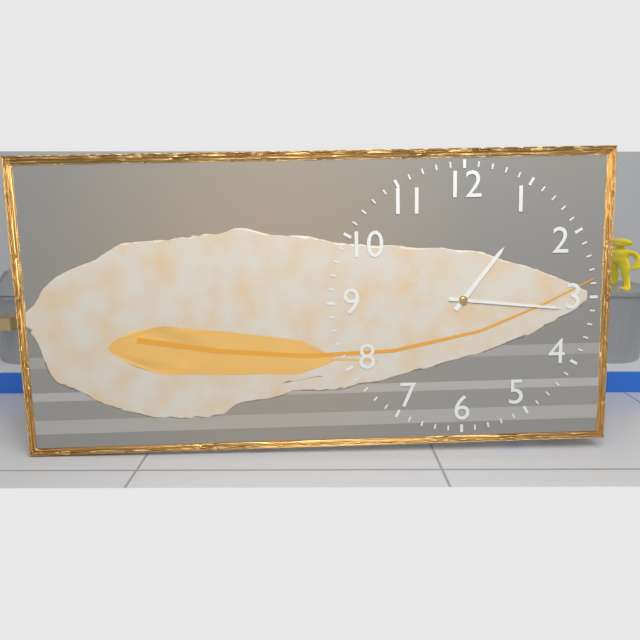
{"hour": 1, "minute": 16}
